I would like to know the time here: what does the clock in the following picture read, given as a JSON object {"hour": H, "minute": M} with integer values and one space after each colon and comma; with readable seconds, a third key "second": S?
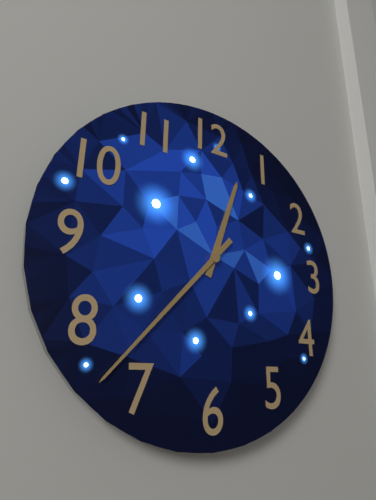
{"hour": 12, "minute": 37}
